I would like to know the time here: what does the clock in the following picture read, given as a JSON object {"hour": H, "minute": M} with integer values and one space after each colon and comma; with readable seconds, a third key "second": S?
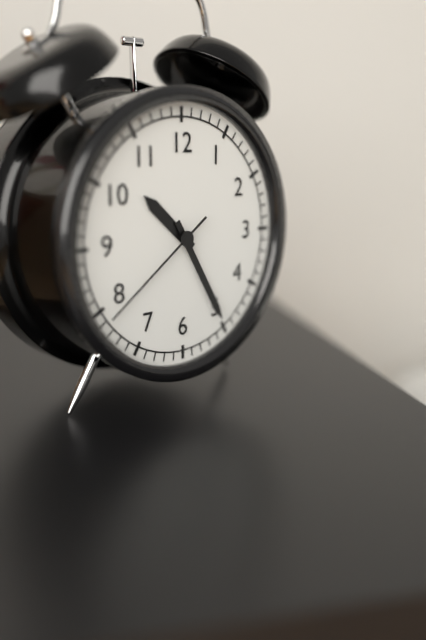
{"hour": 10, "minute": 25, "second": 39}
